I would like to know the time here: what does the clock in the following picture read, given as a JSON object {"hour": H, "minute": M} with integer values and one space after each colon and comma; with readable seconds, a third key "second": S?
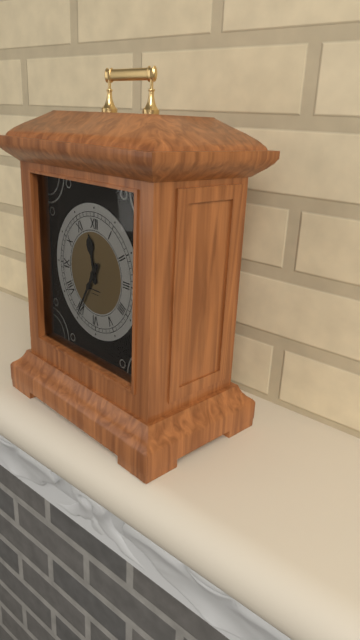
{"hour": 11, "minute": 35}
